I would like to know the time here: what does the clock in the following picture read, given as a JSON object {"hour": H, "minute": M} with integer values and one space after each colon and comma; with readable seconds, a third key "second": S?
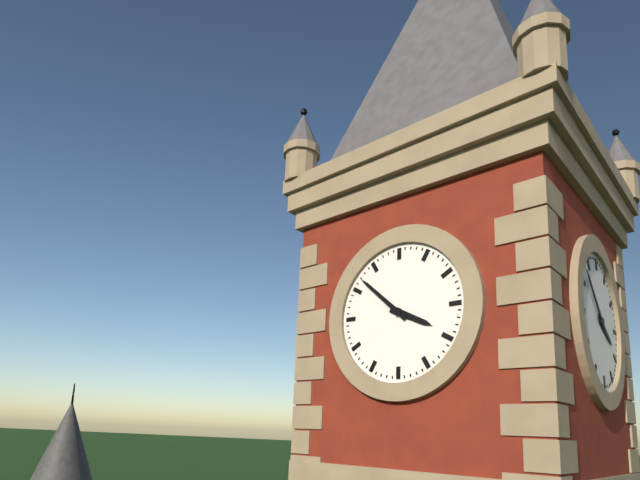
{"hour": 3, "minute": 52}
